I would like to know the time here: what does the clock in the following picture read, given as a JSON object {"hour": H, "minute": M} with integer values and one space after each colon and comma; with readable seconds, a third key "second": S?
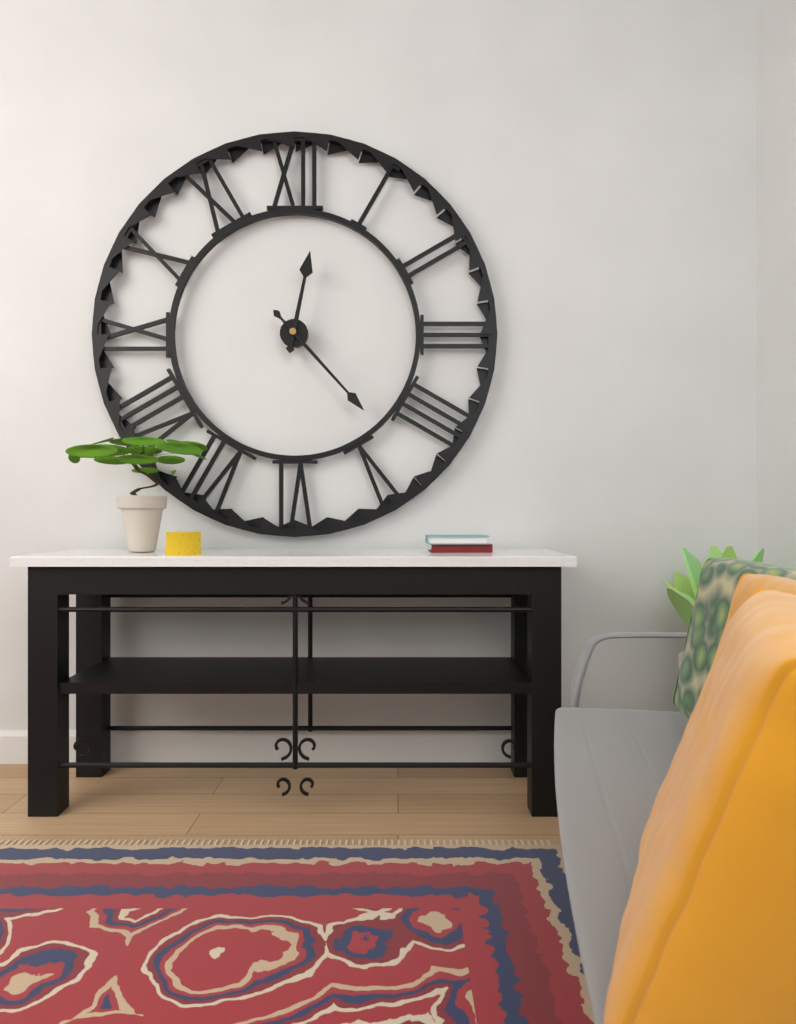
{"hour": 12, "minute": 23}
